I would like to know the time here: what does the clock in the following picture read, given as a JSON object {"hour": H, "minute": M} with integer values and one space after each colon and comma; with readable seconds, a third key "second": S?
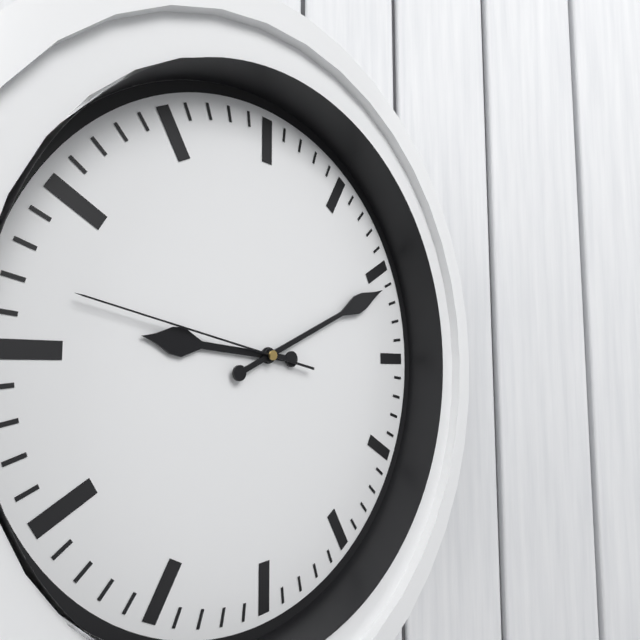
{"hour": 9, "minute": 11, "second": 47}
